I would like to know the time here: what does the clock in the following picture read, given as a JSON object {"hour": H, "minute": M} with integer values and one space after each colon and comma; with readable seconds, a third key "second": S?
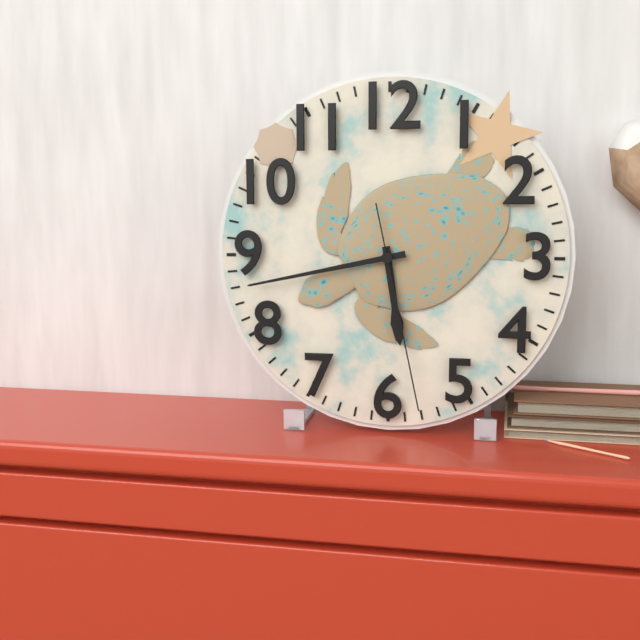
{"hour": 5, "minute": 43, "second": 28}
